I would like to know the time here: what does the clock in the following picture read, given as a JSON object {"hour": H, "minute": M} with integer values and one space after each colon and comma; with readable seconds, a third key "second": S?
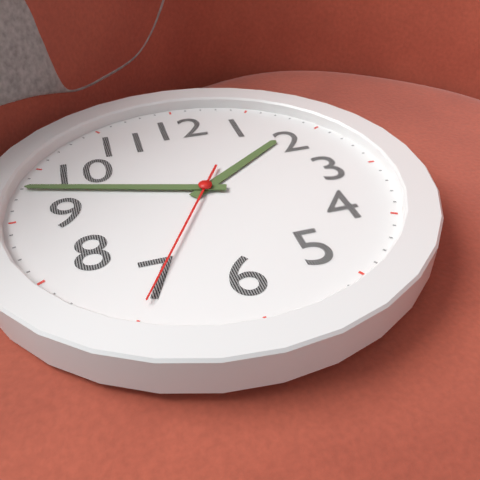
{"hour": 1, "minute": 48, "second": 35}
